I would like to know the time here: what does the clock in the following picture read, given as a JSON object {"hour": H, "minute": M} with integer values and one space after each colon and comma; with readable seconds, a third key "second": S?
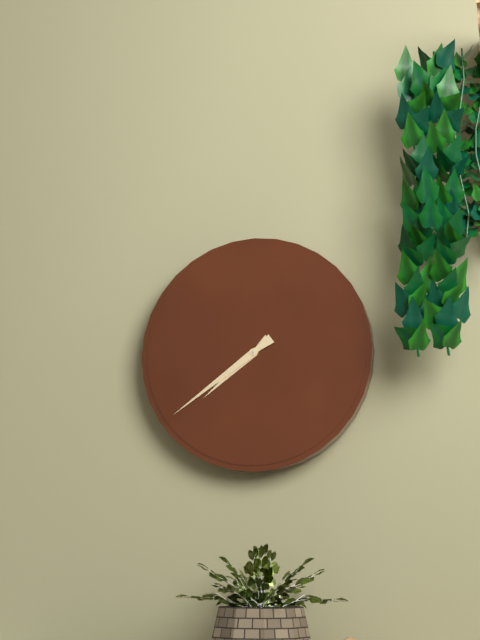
{"hour": 7, "minute": 39}
